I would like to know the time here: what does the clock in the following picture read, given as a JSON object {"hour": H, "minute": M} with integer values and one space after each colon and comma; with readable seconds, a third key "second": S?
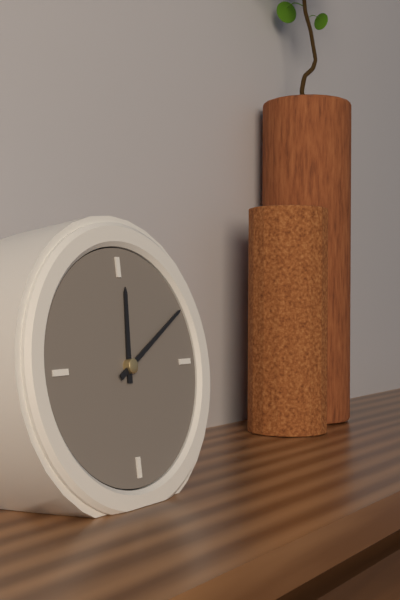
{"hour": 12, "minute": 10}
